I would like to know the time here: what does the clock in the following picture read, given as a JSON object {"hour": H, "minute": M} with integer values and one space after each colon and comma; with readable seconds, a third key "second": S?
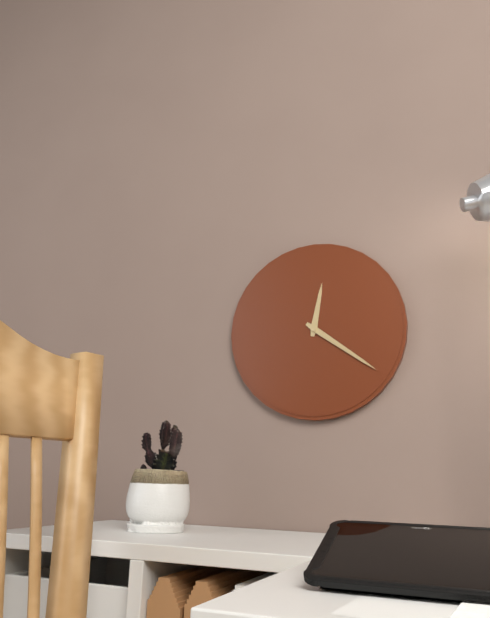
{"hour": 12, "minute": 21}
